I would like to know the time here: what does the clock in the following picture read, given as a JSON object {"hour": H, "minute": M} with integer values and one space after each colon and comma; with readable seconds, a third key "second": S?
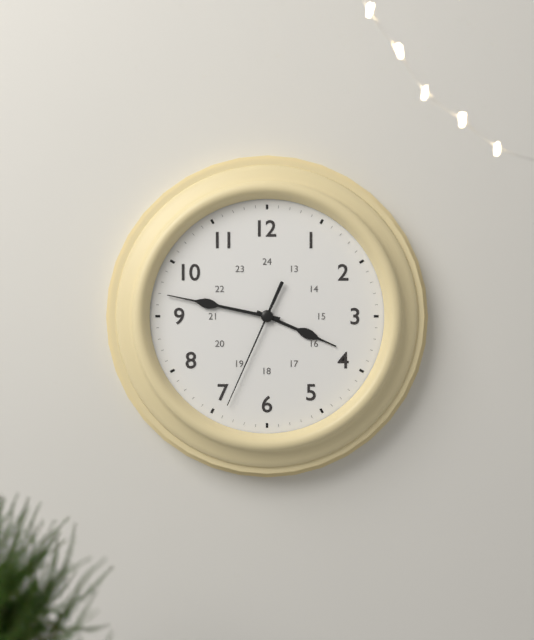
{"hour": 3, "minute": 47, "second": 34}
